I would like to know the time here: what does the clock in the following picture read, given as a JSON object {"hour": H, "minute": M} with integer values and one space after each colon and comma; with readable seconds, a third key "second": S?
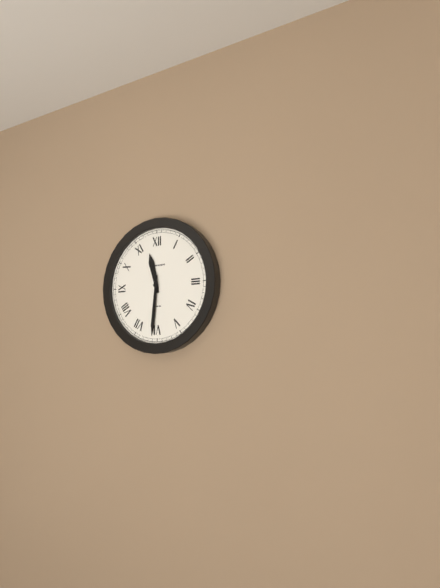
{"hour": 11, "minute": 31}
